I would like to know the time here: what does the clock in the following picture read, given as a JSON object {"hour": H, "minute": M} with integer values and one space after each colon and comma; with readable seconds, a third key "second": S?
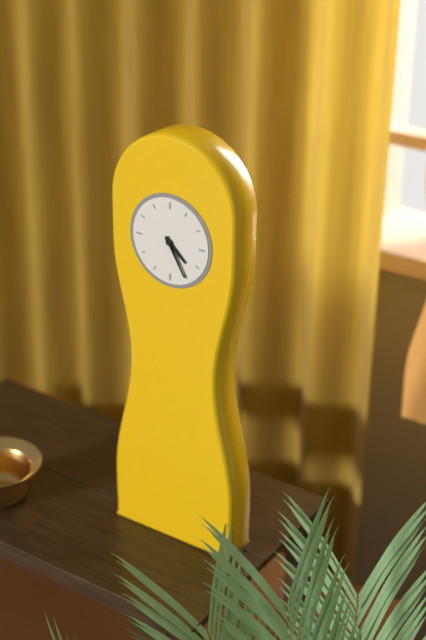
{"hour": 4, "minute": 25}
